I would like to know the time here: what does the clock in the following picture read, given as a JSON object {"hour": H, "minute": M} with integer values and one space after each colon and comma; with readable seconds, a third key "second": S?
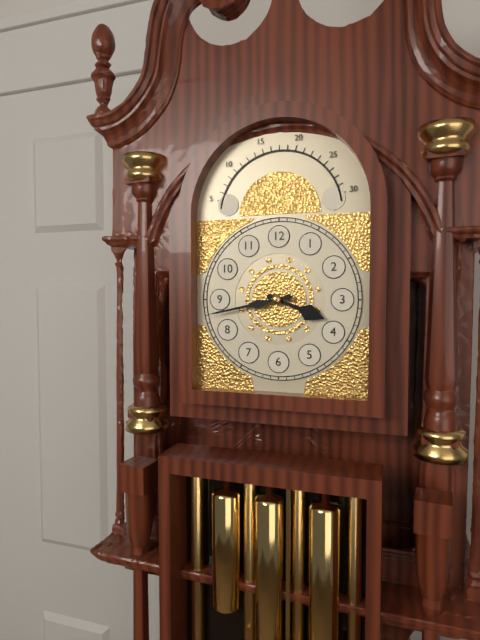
{"hour": 3, "minute": 43}
